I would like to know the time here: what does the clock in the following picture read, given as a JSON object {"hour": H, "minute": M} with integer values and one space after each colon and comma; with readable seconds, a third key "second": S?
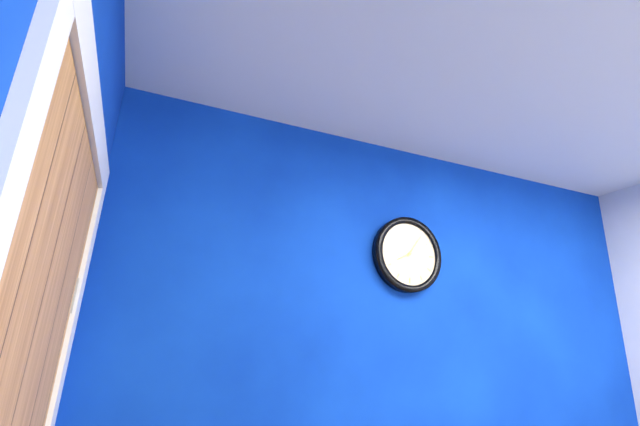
{"hour": 8, "minute": 6}
